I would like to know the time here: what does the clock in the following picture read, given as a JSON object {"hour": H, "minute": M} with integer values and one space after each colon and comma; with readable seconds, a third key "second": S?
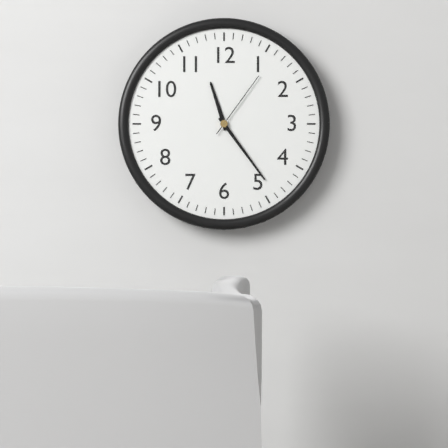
{"hour": 11, "minute": 24, "second": 6}
